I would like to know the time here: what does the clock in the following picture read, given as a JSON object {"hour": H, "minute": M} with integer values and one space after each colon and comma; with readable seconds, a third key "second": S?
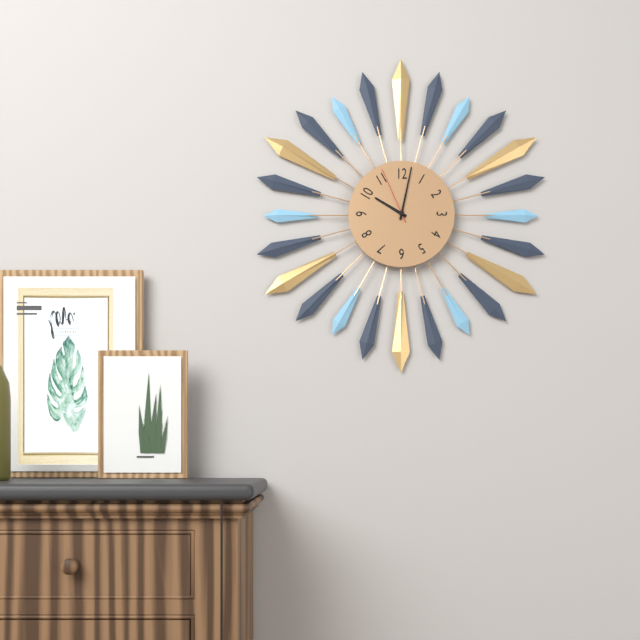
{"hour": 10, "minute": 2, "second": 56}
